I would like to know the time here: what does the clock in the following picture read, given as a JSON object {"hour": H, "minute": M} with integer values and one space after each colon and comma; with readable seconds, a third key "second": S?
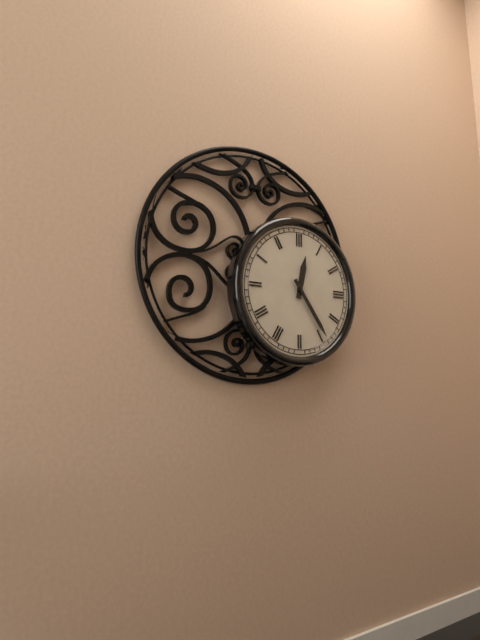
{"hour": 12, "minute": 24}
